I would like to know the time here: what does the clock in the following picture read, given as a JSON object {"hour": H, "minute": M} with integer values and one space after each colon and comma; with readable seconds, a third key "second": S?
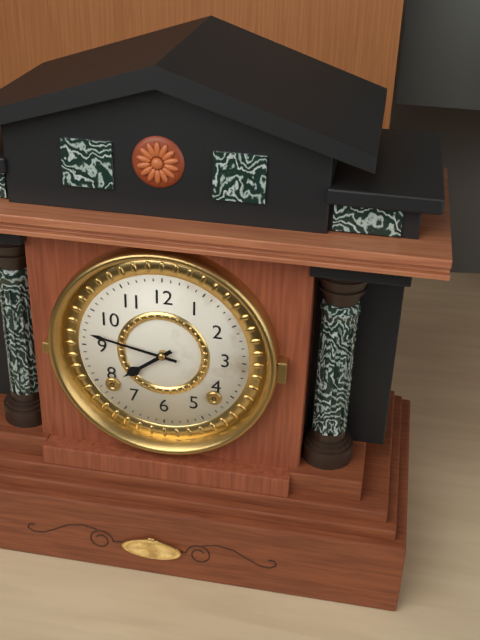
{"hour": 7, "minute": 47}
